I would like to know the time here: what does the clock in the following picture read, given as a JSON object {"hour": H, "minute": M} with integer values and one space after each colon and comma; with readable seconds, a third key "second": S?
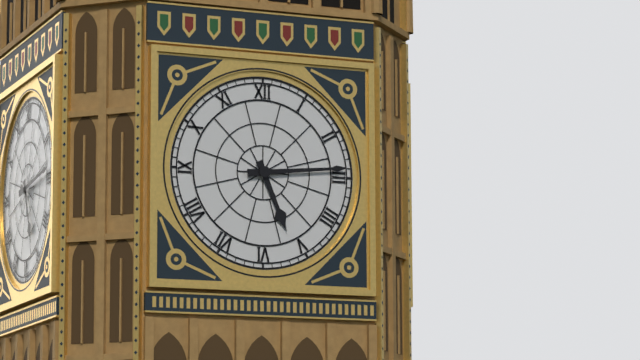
{"hour": 5, "minute": 14}
